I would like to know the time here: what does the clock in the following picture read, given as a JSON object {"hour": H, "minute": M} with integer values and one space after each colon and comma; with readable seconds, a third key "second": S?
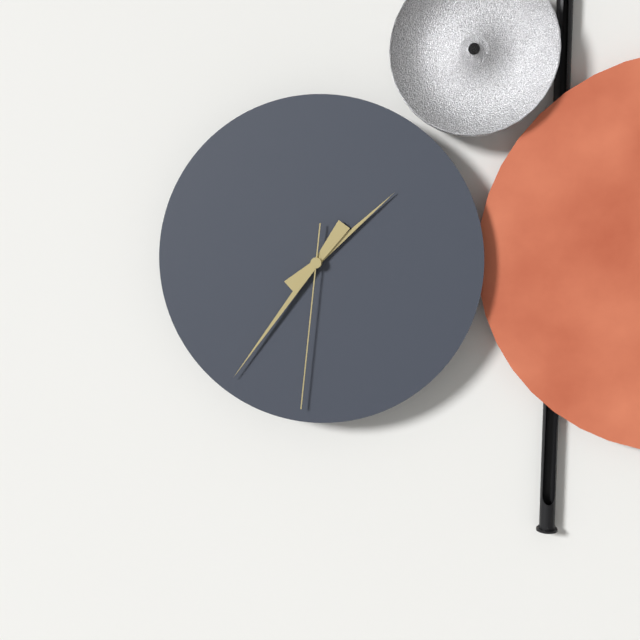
{"hour": 1, "minute": 36, "second": 31}
